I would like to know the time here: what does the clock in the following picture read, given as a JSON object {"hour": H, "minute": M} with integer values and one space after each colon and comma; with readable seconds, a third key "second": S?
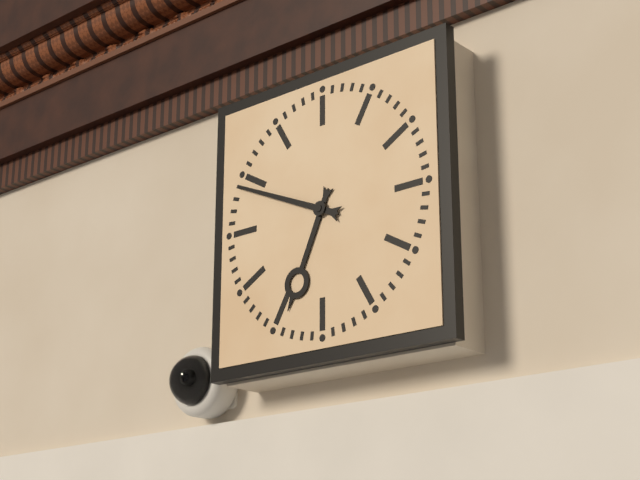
{"hour": 6, "minute": 49}
